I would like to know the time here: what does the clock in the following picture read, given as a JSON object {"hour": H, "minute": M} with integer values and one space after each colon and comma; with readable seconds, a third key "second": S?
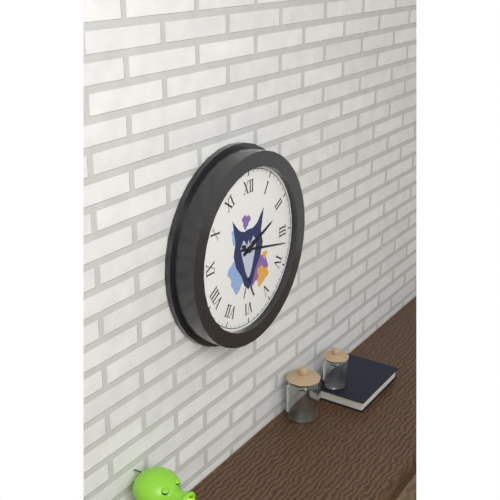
{"hour": 2, "minute": 17}
